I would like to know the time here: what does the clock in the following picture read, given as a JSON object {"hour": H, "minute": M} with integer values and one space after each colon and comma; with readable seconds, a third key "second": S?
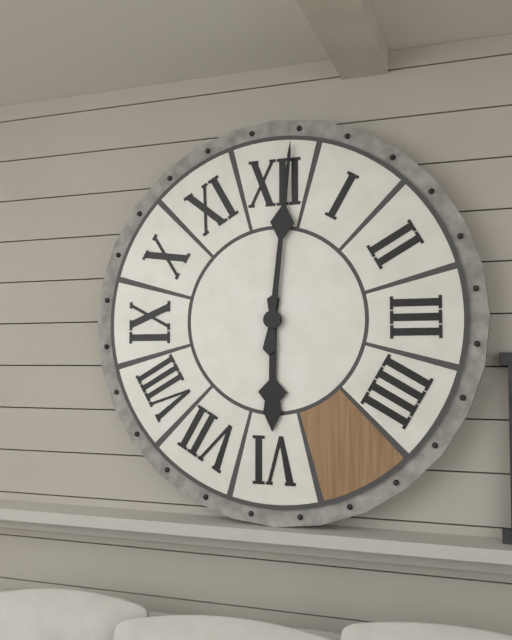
{"hour": 6, "minute": 1}
